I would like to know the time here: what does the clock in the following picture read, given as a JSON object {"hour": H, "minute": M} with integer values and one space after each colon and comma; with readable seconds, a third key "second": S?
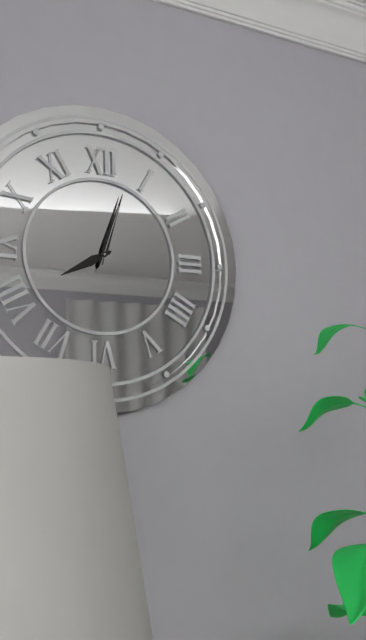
{"hour": 8, "minute": 3, "second": 3}
